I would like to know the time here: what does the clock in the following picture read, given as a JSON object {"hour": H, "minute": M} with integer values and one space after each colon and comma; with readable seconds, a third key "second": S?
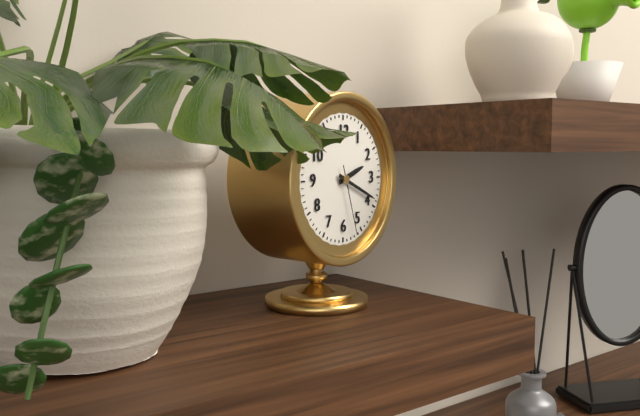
{"hour": 2, "minute": 19, "second": 27}
